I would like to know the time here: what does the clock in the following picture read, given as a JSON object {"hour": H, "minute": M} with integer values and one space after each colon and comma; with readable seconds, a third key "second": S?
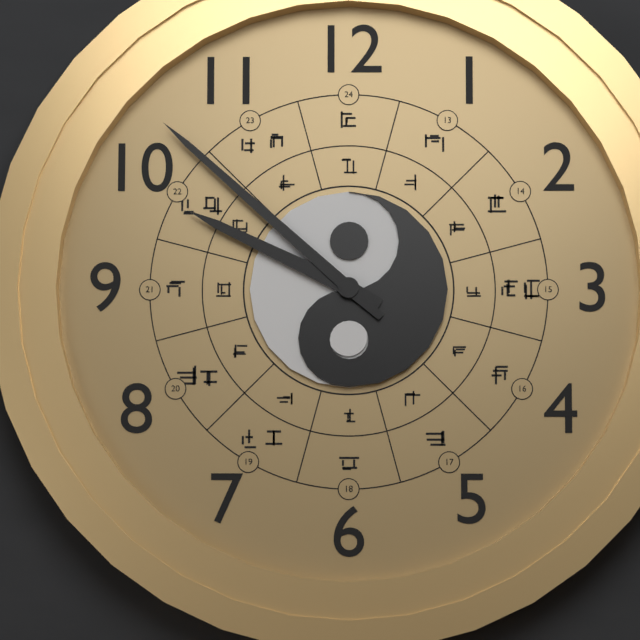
{"hour": 9, "minute": 52}
